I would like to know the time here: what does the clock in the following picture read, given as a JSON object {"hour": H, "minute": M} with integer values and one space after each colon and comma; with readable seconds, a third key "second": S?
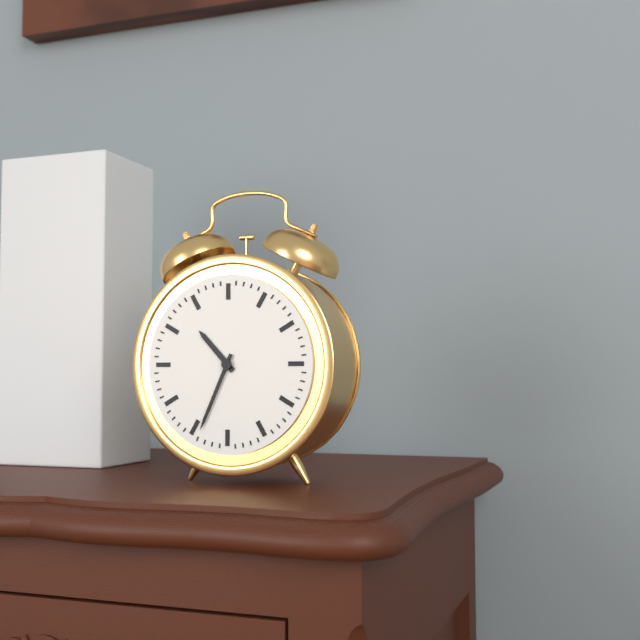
{"hour": 10, "minute": 34}
